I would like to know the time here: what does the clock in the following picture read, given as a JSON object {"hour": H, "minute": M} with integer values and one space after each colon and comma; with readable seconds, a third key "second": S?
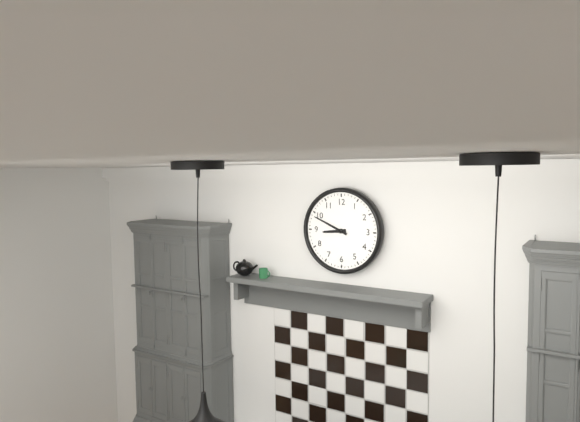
{"hour": 8, "minute": 49}
